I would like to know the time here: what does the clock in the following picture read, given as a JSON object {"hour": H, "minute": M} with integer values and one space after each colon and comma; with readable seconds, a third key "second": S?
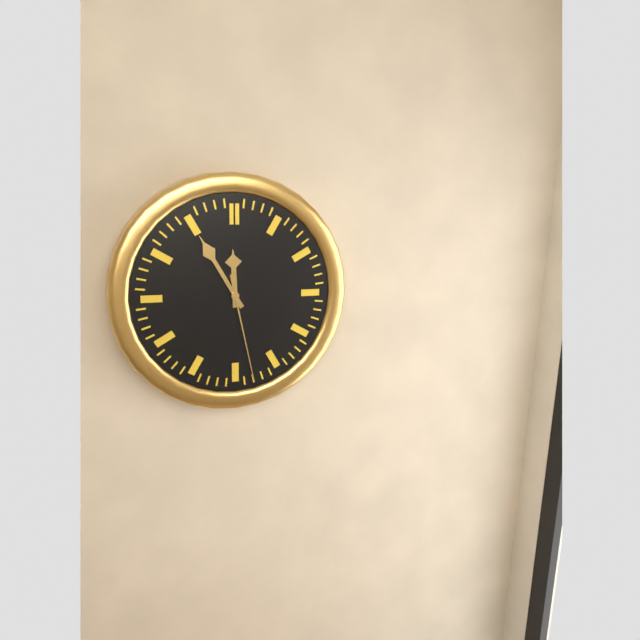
{"hour": 11, "minute": 55, "second": 28}
